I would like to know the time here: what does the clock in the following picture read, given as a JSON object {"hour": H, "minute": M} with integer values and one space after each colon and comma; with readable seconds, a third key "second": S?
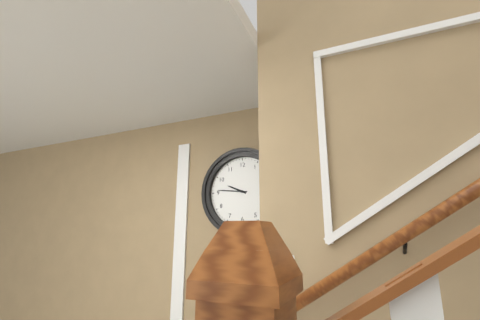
{"hour": 9, "minute": 46}
